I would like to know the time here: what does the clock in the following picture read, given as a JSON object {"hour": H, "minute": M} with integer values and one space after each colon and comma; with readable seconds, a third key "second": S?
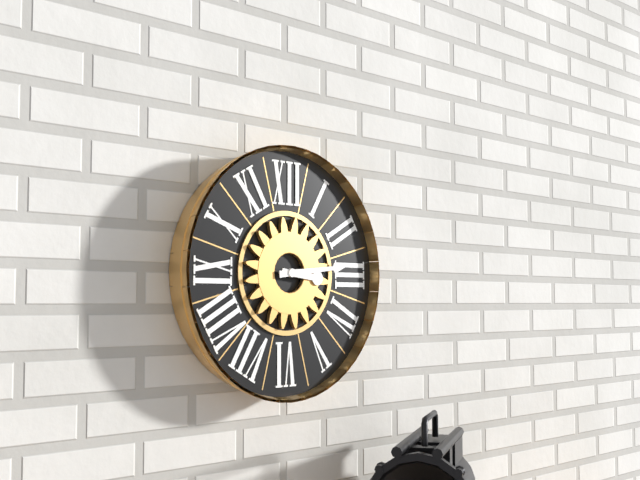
{"hour": 3, "minute": 14}
